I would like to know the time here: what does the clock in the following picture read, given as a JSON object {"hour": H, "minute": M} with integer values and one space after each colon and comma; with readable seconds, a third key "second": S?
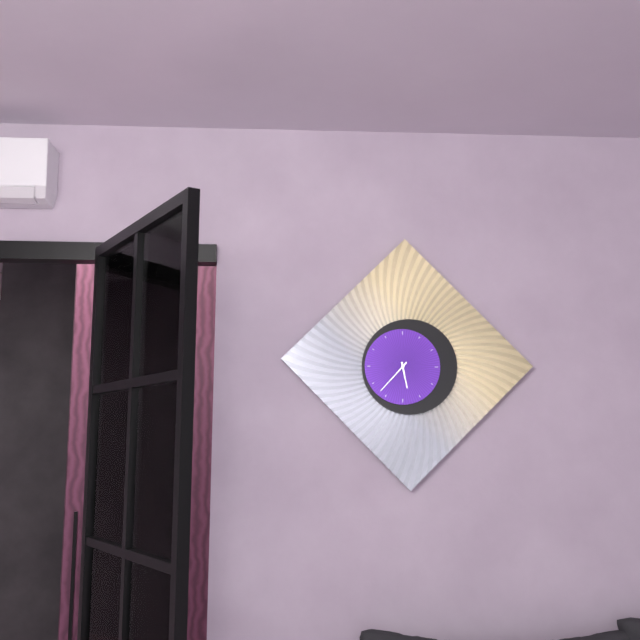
{"hour": 5, "minute": 37}
